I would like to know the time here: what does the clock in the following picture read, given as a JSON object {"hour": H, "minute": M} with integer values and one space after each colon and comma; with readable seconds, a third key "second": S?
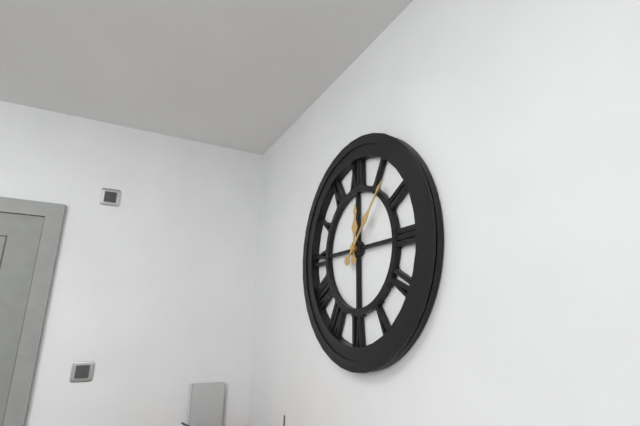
{"hour": 12, "minute": 7}
